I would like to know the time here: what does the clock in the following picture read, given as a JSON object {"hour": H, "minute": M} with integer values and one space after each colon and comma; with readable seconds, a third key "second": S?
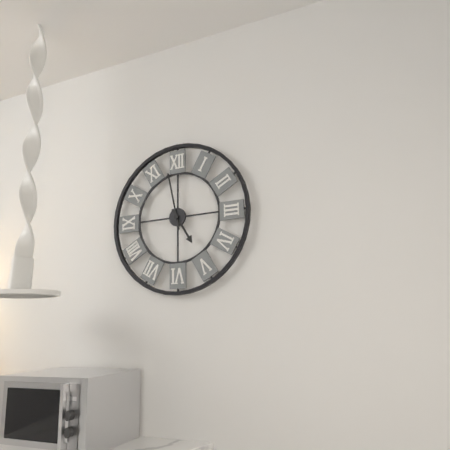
{"hour": 4, "minute": 58}
